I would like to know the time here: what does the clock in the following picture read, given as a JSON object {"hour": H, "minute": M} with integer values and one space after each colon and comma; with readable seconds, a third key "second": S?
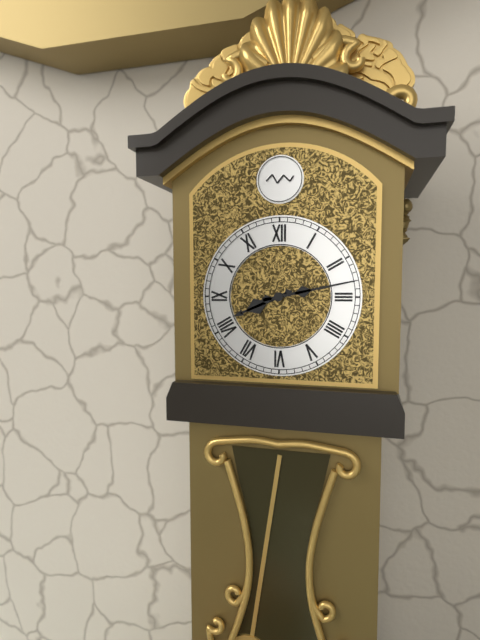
{"hour": 8, "minute": 13}
